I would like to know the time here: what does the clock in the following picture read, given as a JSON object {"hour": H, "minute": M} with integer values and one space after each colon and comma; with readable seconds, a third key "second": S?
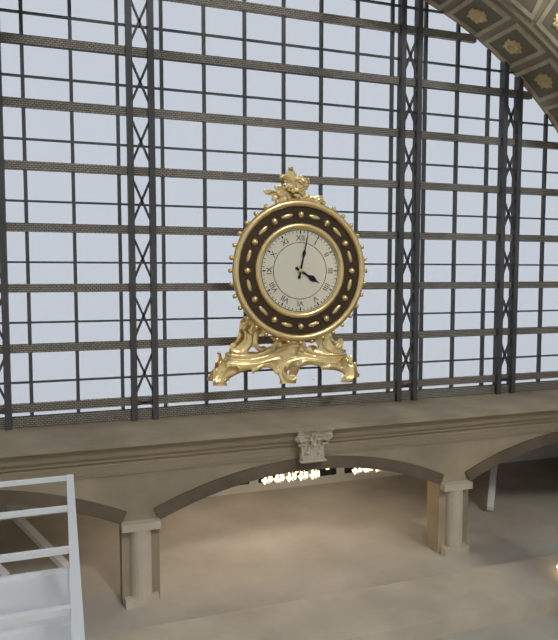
{"hour": 4, "minute": 2}
